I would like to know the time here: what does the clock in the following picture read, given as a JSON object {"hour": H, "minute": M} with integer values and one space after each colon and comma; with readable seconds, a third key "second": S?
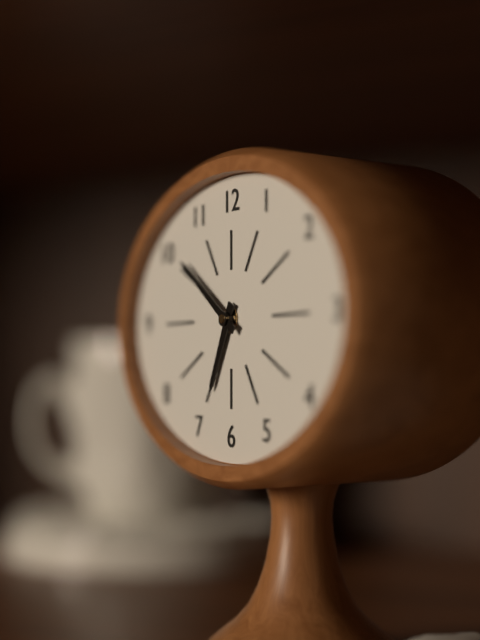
{"hour": 6, "minute": 51}
